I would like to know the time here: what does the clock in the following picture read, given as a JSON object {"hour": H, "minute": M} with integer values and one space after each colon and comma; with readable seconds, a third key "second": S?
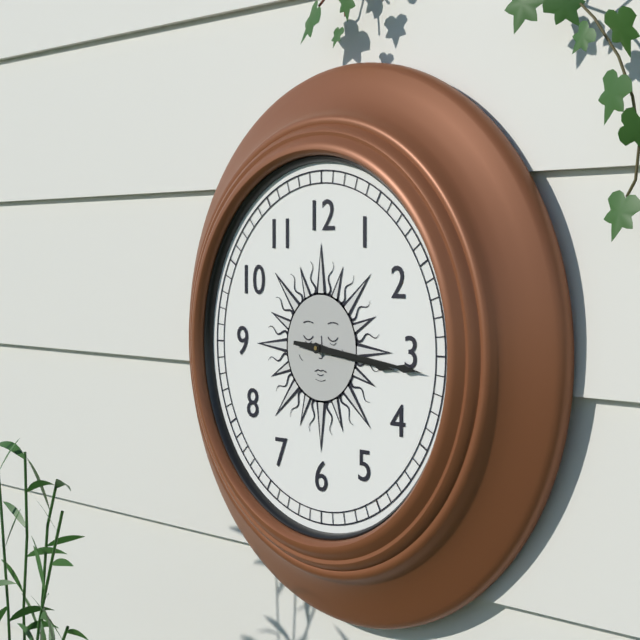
{"hour": 3, "minute": 16}
